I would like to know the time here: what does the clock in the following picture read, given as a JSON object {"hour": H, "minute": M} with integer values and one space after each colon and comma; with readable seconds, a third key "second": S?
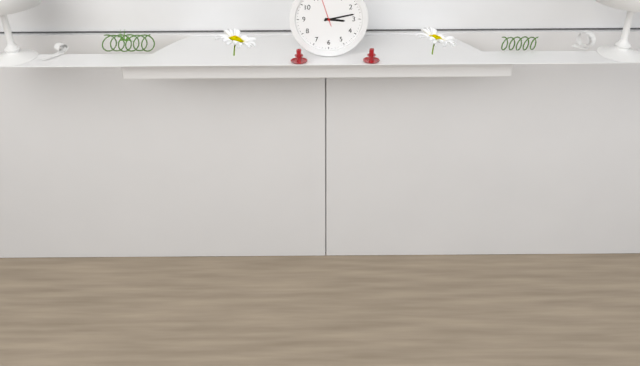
{"hour": 3, "minute": 13}
